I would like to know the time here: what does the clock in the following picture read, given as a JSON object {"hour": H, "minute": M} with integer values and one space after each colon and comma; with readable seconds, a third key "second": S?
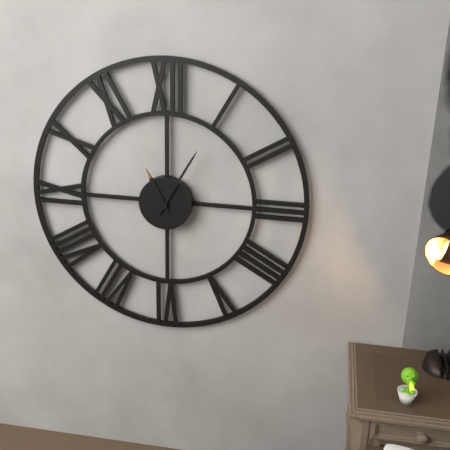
{"hour": 11, "minute": 5}
